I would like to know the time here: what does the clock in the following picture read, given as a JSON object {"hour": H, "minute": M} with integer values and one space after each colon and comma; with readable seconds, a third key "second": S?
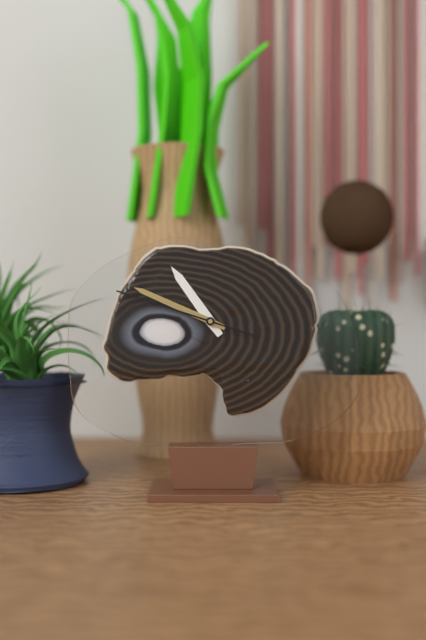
{"hour": 10, "minute": 49, "second": 48}
